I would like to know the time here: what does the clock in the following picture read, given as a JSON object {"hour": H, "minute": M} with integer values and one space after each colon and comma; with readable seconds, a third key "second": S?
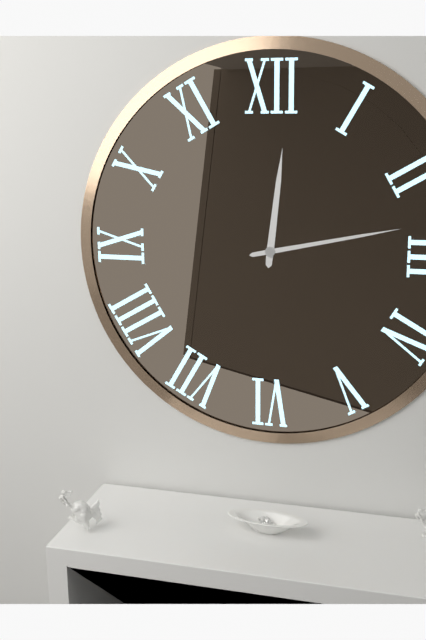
{"hour": 12, "minute": 13}
